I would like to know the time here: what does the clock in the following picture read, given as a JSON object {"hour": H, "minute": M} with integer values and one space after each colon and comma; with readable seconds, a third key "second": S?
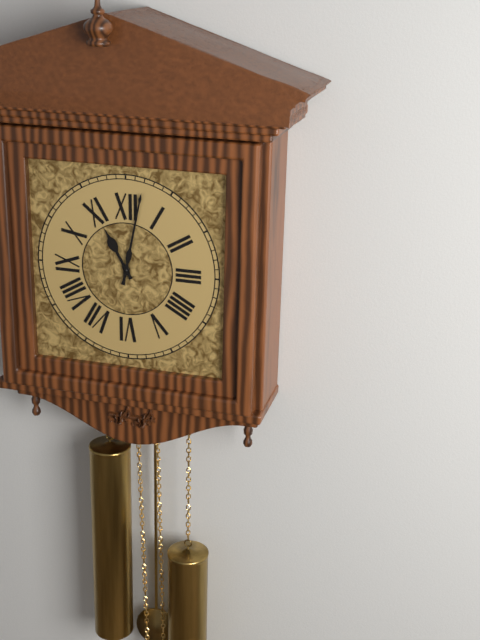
{"hour": 11, "minute": 2}
